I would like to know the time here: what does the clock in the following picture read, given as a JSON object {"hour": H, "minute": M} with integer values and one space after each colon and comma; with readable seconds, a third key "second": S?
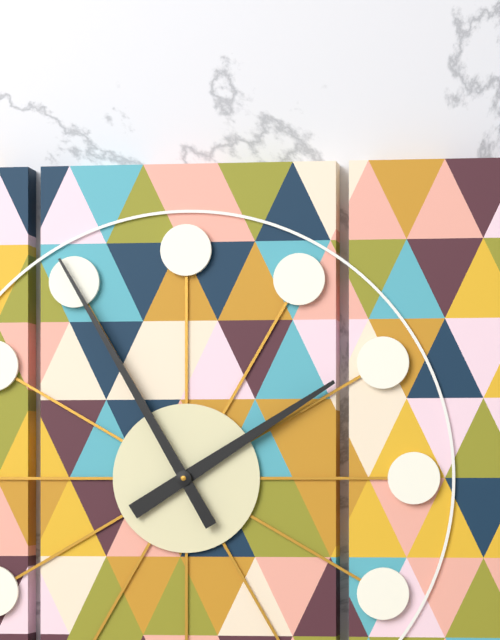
{"hour": 1, "minute": 55}
